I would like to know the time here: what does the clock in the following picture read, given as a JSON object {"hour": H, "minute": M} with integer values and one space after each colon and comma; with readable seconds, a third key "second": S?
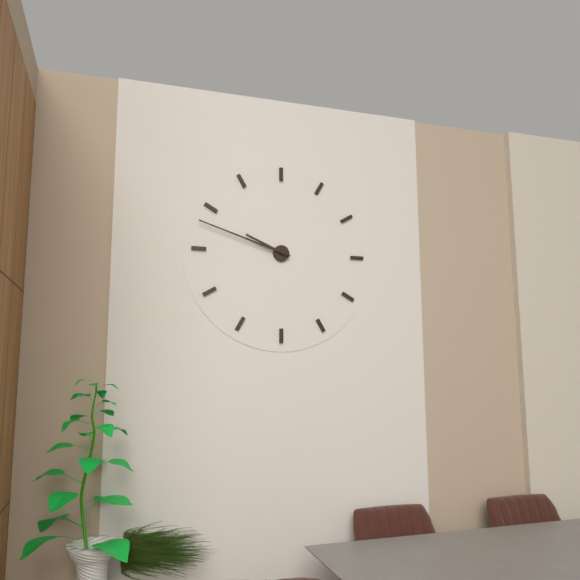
{"hour": 9, "minute": 48}
